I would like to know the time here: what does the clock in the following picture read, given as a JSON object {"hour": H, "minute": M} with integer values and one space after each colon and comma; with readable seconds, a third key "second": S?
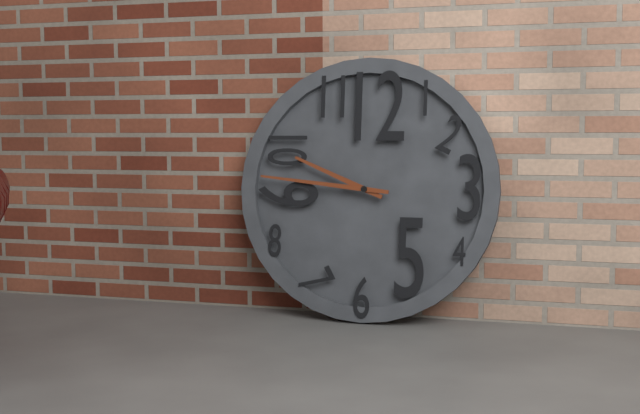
{"hour": 9, "minute": 46}
